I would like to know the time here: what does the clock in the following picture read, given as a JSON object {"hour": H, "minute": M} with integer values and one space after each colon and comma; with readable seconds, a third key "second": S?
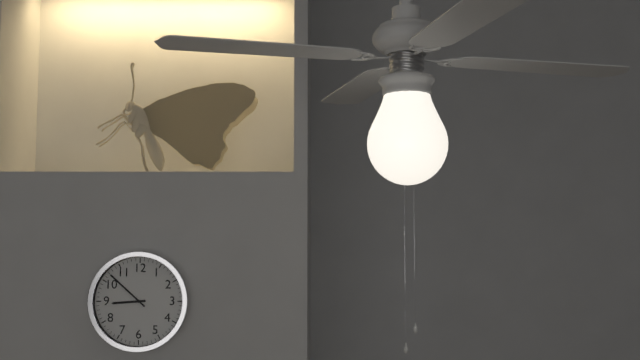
{"hour": 8, "minute": 52}
